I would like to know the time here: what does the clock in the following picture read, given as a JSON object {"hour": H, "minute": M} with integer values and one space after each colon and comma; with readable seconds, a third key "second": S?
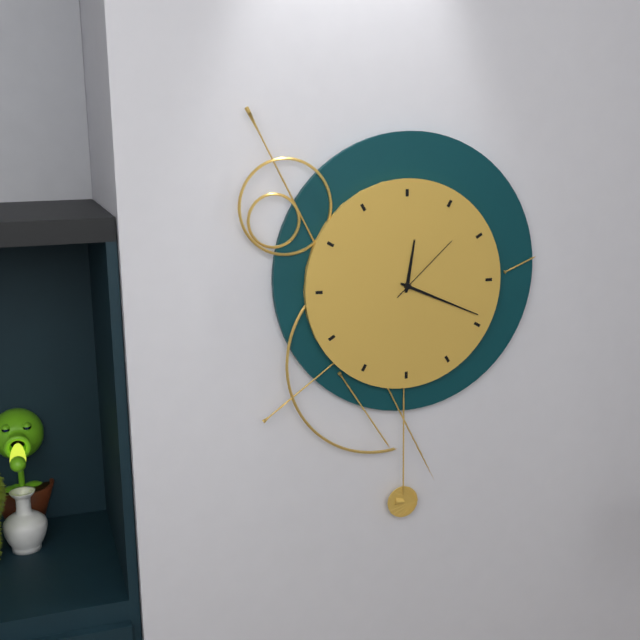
{"hour": 12, "minute": 19, "second": 8}
